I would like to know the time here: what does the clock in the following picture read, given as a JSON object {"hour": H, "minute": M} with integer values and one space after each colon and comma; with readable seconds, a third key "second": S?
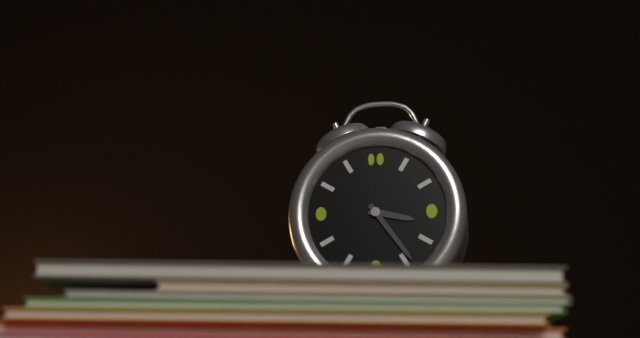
{"hour": 3, "minute": 24}
